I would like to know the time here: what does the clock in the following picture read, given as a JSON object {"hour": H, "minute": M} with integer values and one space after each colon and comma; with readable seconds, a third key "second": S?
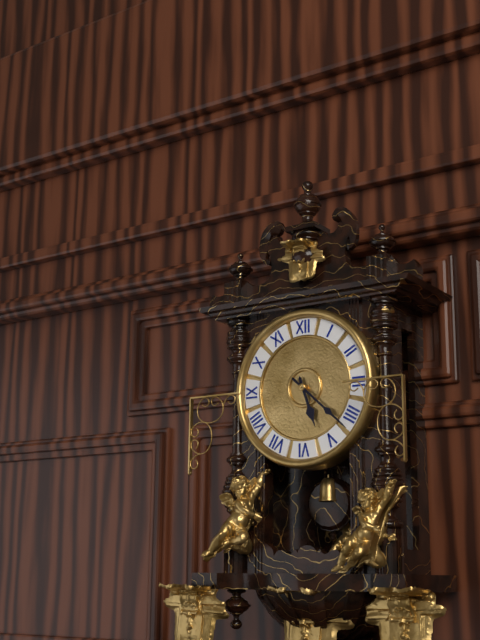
{"hour": 5, "minute": 22}
